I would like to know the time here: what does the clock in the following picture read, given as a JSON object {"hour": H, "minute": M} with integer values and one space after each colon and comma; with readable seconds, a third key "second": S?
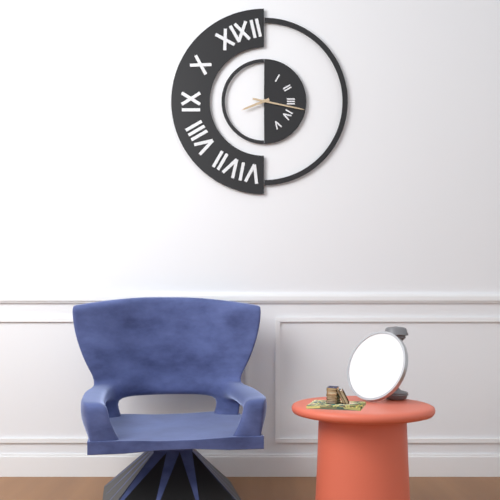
{"hour": 8, "minute": 17}
